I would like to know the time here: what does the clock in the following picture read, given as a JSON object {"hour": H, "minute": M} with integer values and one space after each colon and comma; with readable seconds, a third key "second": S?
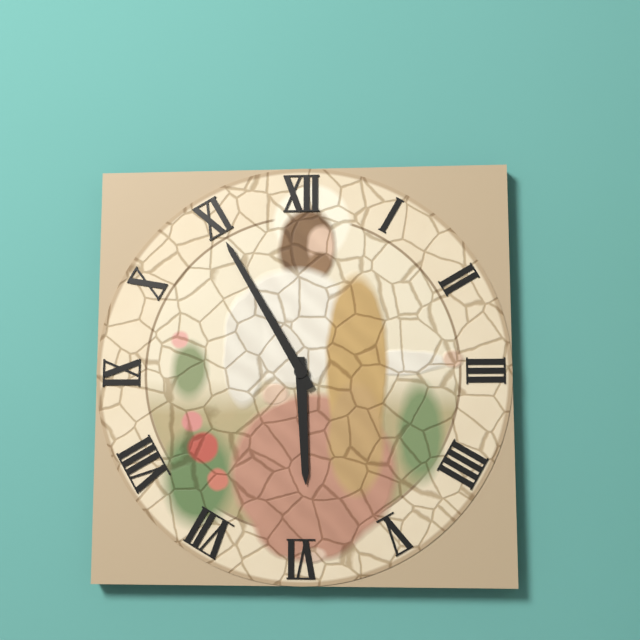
{"hour": 5, "minute": 55}
